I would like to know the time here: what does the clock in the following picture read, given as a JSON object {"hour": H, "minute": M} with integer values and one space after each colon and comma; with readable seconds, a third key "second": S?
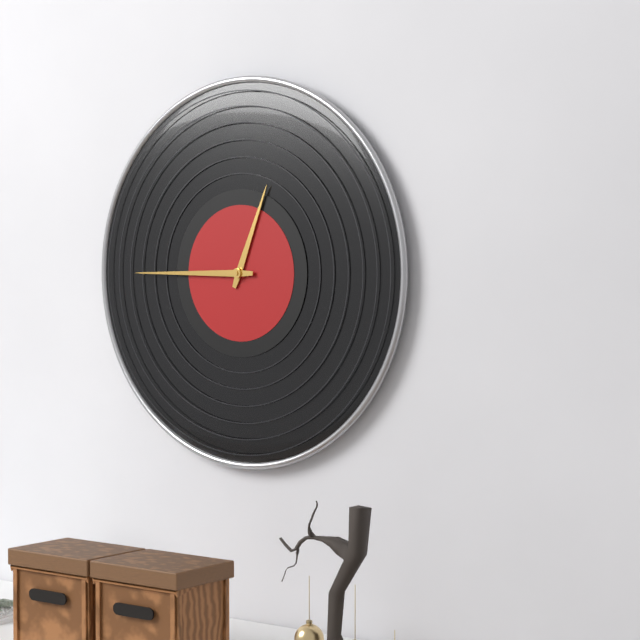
{"hour": 12, "minute": 45}
